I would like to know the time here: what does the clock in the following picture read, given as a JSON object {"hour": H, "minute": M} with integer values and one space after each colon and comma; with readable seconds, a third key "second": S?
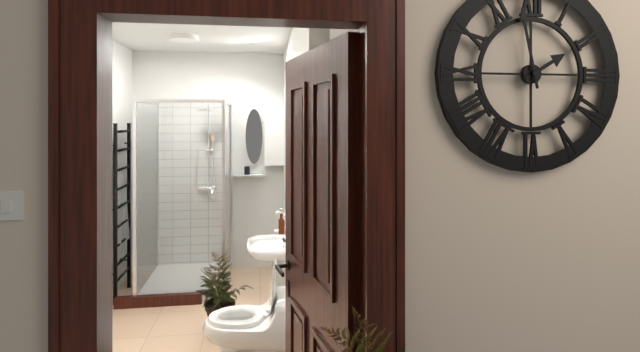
{"hour": 1, "minute": 58}
